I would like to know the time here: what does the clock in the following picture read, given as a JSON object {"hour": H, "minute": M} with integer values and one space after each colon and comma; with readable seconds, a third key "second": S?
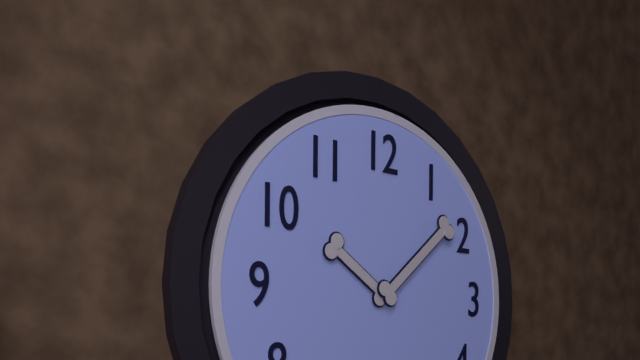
{"hour": 10, "minute": 8}
